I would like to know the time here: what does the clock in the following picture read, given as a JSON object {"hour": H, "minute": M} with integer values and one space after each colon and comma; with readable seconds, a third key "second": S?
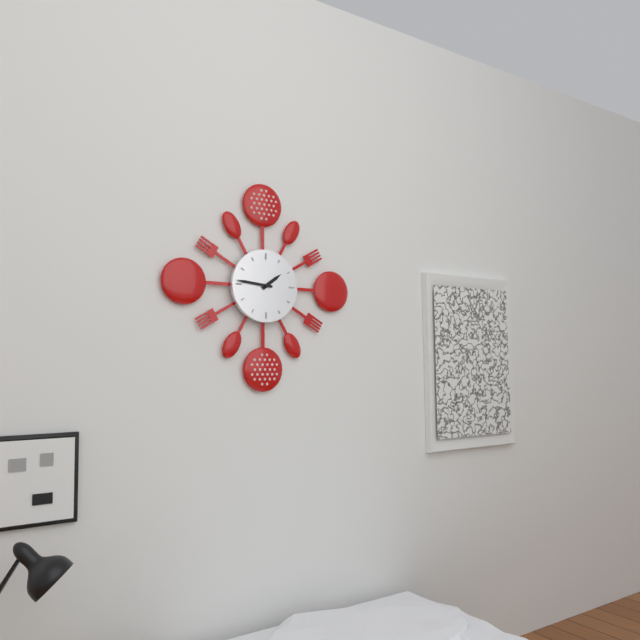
{"hour": 1, "minute": 46}
